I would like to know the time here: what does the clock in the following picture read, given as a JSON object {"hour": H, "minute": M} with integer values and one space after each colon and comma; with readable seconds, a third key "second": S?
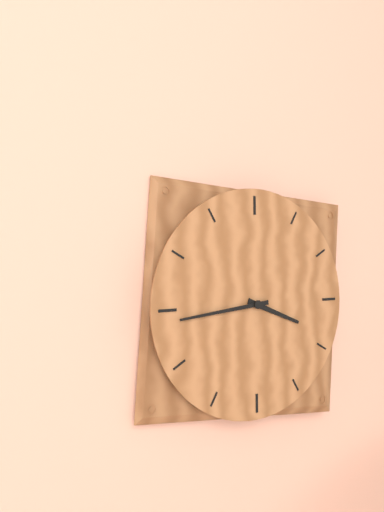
{"hour": 3, "minute": 44}
